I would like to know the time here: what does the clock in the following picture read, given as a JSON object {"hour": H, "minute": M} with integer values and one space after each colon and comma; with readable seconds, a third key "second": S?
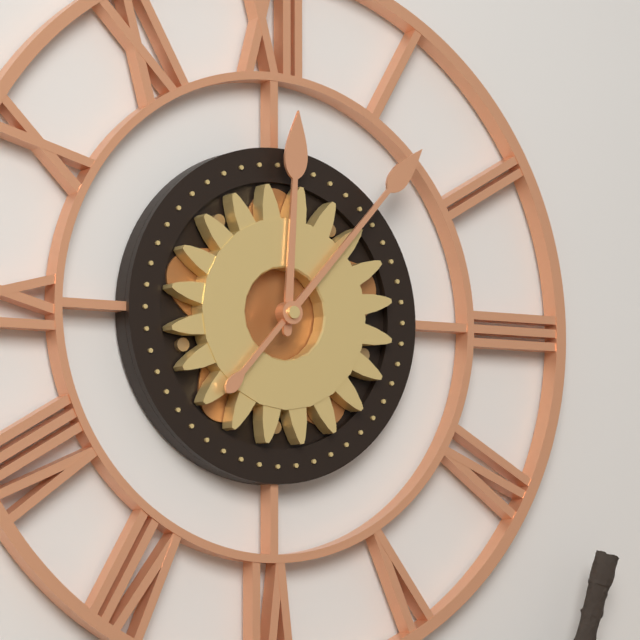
{"hour": 12, "minute": 7}
